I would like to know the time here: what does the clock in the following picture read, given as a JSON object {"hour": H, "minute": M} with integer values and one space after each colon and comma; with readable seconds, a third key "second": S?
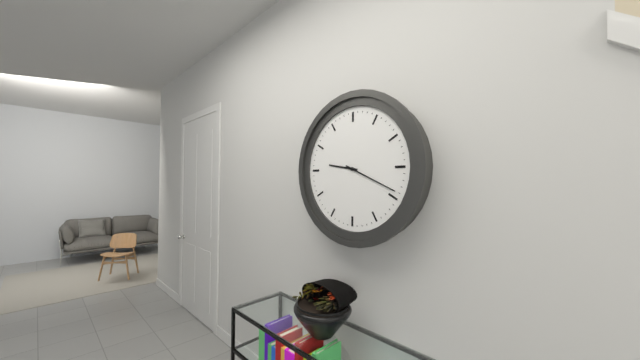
{"hour": 9, "minute": 19}
